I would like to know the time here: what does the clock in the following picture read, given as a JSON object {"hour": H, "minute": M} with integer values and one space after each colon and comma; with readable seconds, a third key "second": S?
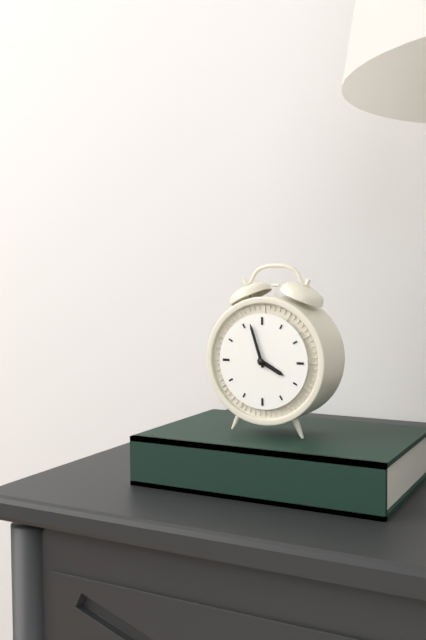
{"hour": 3, "minute": 57}
